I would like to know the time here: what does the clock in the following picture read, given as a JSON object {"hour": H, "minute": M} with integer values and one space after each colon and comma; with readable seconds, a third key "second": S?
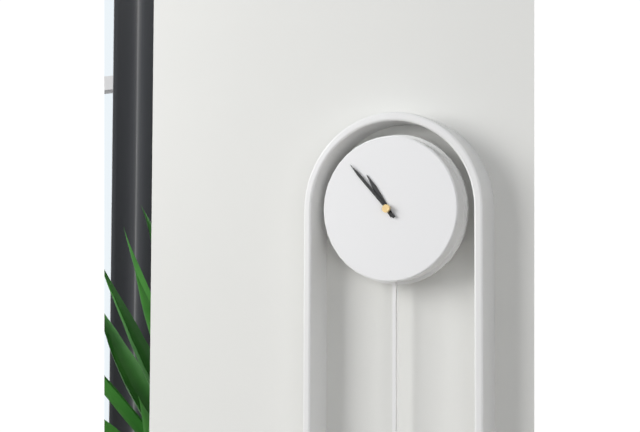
{"hour": 10, "minute": 53}
